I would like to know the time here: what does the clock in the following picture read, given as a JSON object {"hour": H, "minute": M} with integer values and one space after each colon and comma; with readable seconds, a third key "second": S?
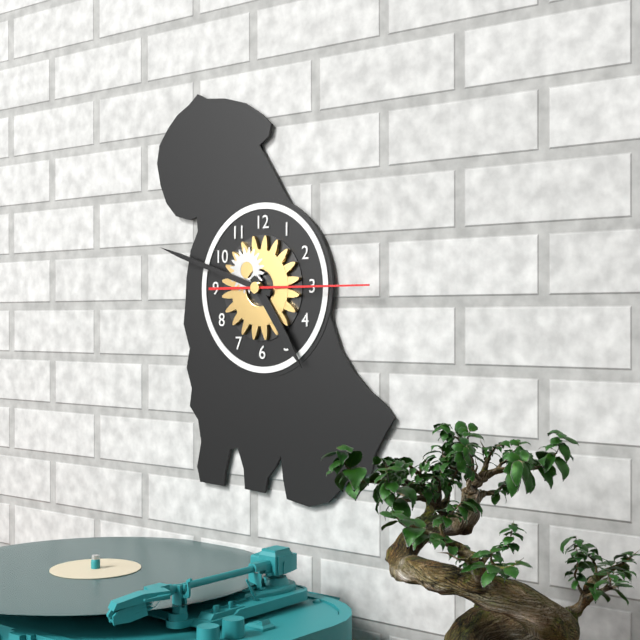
{"hour": 4, "minute": 48, "second": 15}
